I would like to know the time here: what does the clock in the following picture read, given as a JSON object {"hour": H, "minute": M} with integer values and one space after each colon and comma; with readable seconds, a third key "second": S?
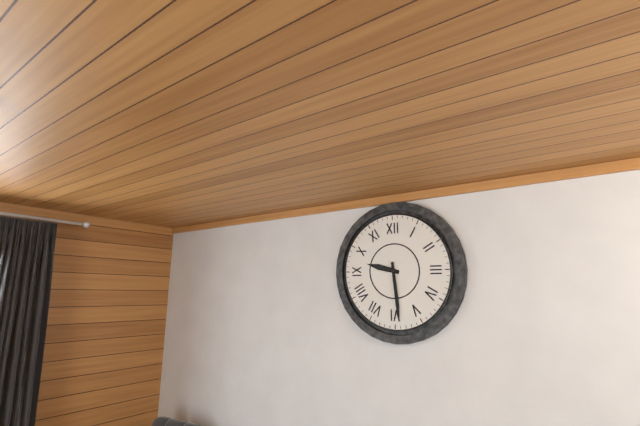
{"hour": 9, "minute": 29}
